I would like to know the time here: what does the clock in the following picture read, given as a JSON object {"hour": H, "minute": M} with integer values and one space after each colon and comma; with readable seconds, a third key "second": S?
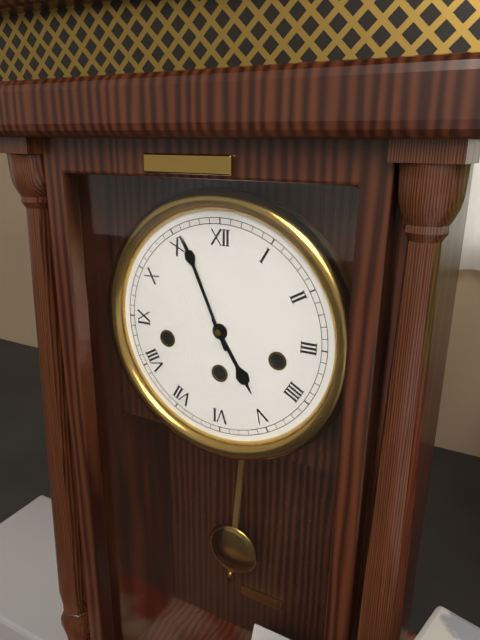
{"hour": 4, "minute": 56}
